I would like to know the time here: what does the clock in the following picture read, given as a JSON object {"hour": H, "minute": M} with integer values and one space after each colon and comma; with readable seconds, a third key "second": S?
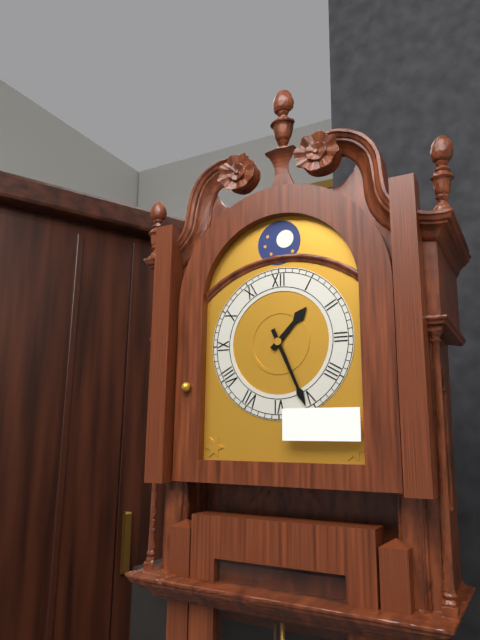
{"hour": 1, "minute": 26}
